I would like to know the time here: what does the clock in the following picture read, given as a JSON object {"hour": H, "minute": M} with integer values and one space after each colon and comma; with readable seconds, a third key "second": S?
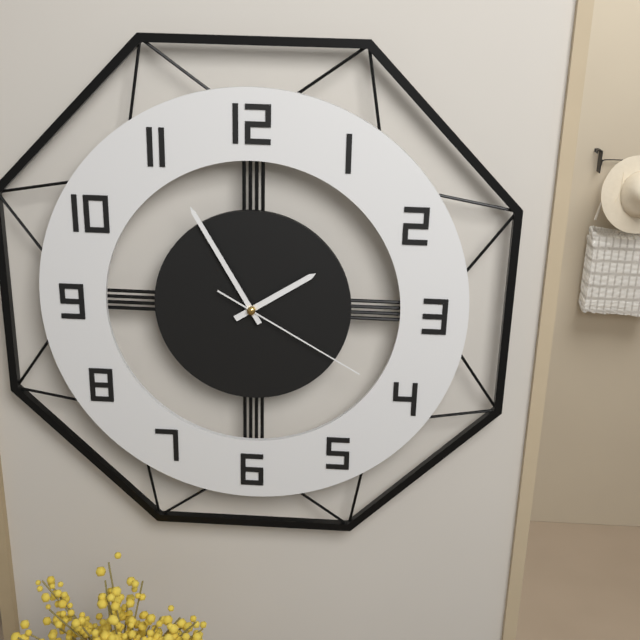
{"hour": 1, "minute": 55, "second": 20}
